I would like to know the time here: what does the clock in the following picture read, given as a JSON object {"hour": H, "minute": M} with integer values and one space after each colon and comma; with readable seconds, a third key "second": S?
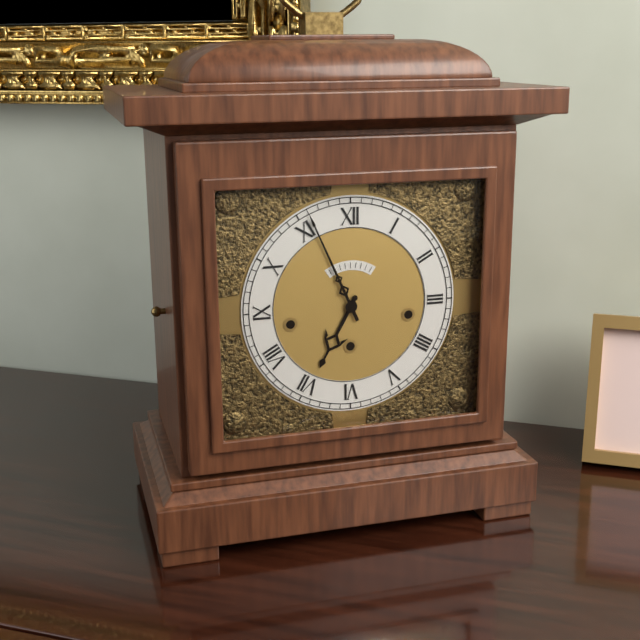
{"hour": 6, "minute": 56}
